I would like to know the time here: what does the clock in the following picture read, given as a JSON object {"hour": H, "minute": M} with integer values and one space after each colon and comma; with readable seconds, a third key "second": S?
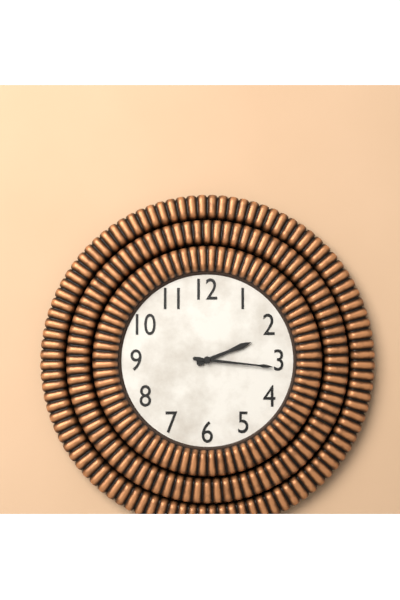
{"hour": 2, "minute": 16}
